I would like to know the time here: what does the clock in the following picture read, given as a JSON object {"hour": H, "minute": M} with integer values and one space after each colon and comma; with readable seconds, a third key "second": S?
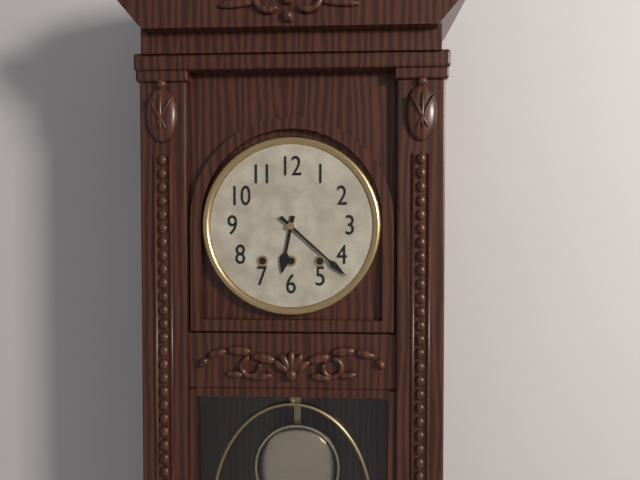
{"hour": 6, "minute": 22}
